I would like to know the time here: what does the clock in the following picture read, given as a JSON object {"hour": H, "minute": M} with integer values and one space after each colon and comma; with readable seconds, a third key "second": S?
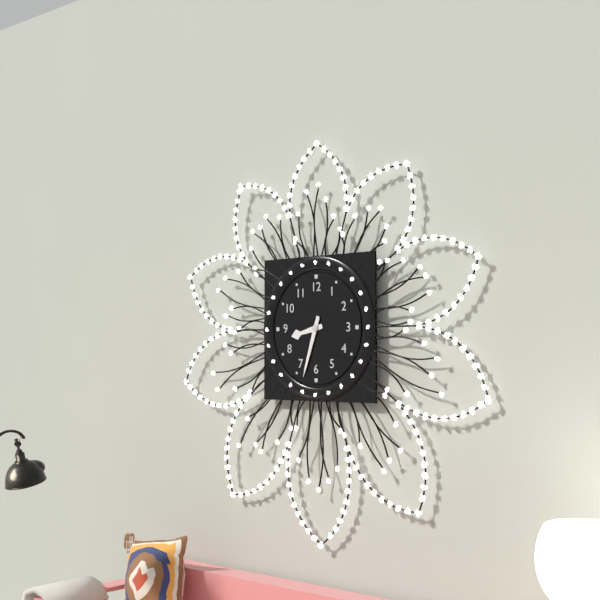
{"hour": 8, "minute": 33}
